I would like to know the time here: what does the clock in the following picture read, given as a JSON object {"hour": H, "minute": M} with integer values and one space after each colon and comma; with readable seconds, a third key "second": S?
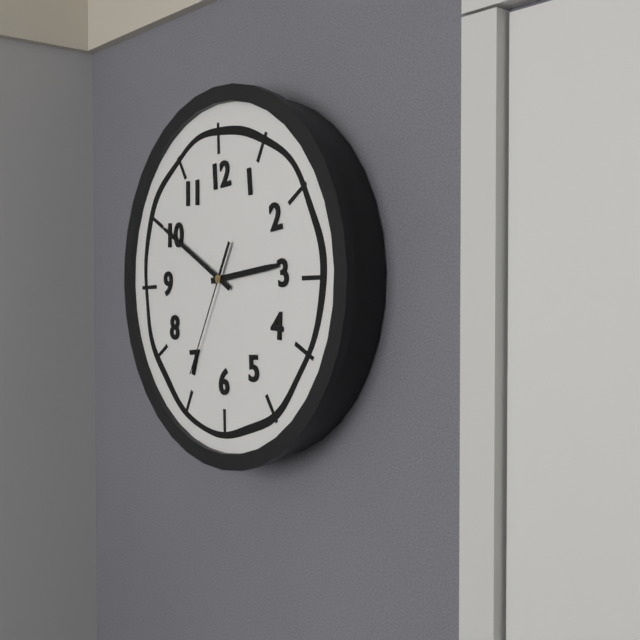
{"hour": 2, "minute": 50, "second": 35}
